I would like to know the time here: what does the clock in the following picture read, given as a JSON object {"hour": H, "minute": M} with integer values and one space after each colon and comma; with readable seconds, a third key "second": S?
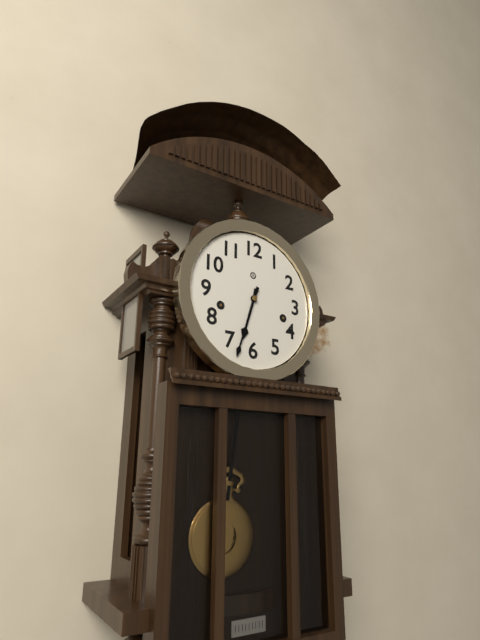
{"hour": 6, "minute": 33}
